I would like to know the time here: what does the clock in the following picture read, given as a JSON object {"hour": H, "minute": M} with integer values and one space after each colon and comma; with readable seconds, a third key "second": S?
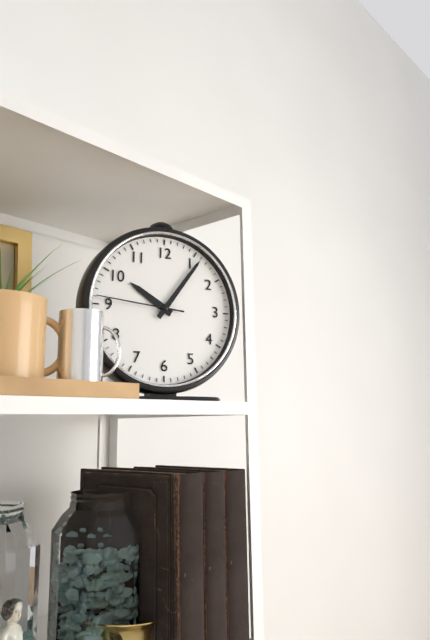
{"hour": 10, "minute": 6, "second": 46}
